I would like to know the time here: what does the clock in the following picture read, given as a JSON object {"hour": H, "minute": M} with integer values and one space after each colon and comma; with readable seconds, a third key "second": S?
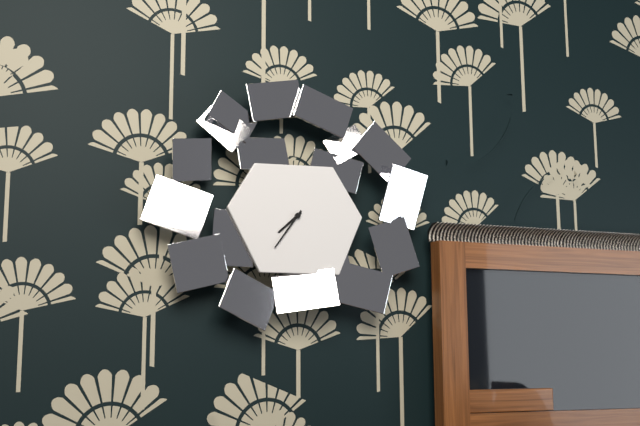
{"hour": 7, "minute": 36}
